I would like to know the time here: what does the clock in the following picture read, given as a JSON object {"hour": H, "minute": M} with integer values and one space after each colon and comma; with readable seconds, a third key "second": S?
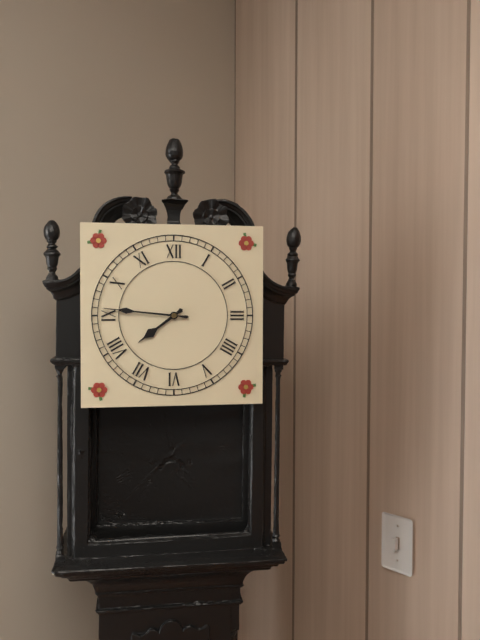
{"hour": 7, "minute": 46}
